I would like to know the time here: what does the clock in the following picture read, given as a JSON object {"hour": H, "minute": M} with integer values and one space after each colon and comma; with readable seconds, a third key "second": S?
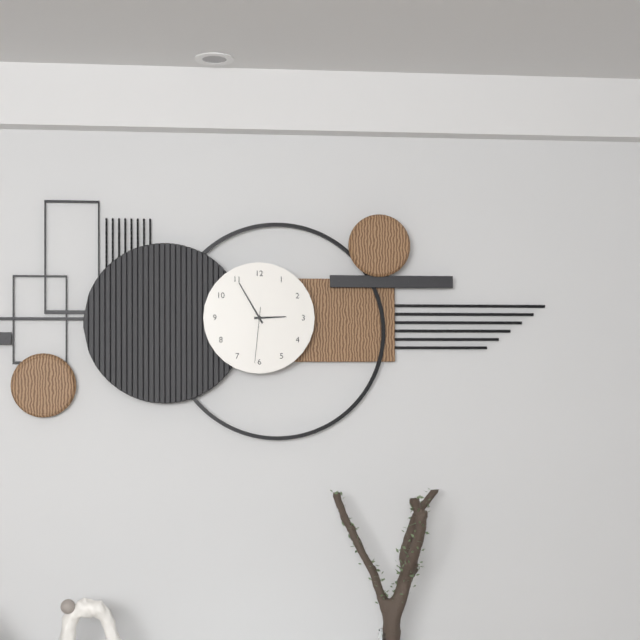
{"hour": 2, "minute": 55, "second": 31}
